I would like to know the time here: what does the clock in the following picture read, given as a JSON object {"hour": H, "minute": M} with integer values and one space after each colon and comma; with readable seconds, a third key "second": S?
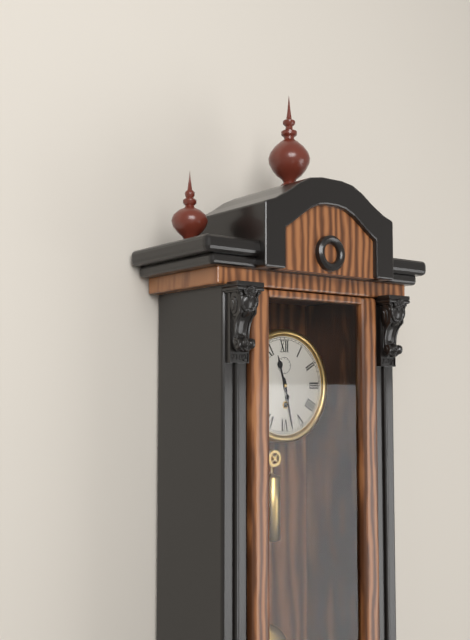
{"hour": 11, "minute": 28}
